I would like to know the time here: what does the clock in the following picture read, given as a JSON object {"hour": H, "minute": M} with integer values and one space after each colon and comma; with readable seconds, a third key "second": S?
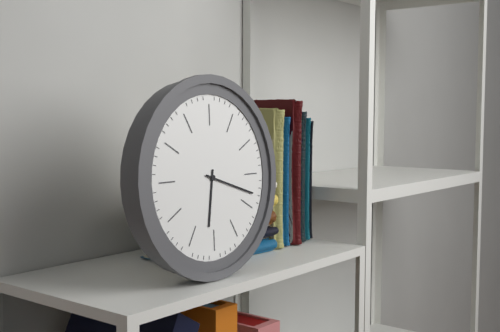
{"hour": 6, "minute": 18}
